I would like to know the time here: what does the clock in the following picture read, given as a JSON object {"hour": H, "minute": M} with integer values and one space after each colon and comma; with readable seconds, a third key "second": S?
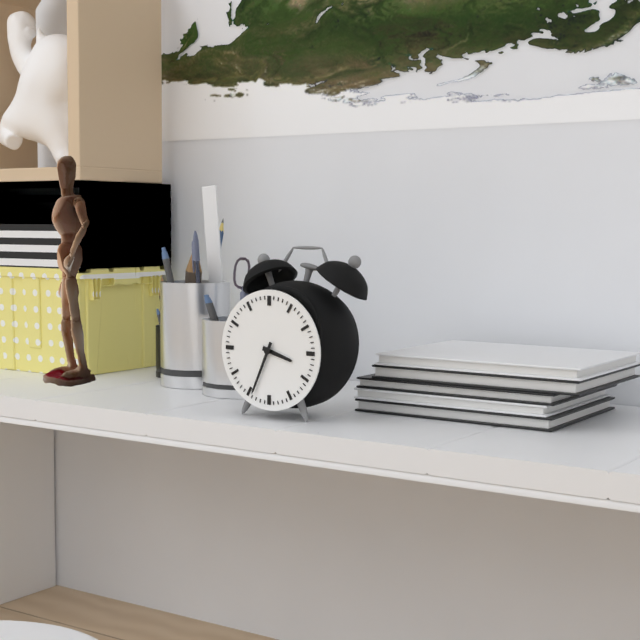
{"hour": 3, "minute": 34}
